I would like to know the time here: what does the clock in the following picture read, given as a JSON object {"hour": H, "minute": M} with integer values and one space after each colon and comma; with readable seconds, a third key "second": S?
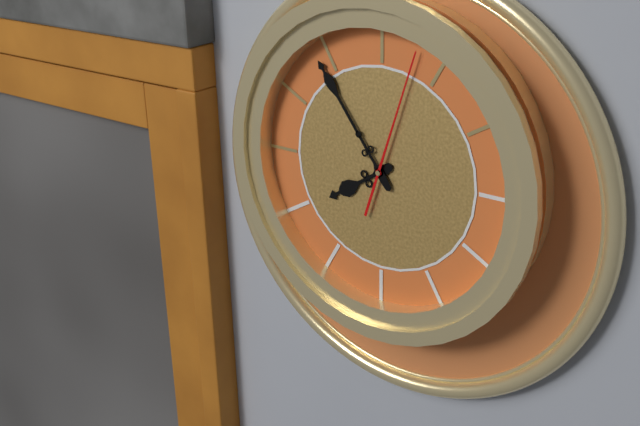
{"hour": 7, "minute": 54, "second": 3}
